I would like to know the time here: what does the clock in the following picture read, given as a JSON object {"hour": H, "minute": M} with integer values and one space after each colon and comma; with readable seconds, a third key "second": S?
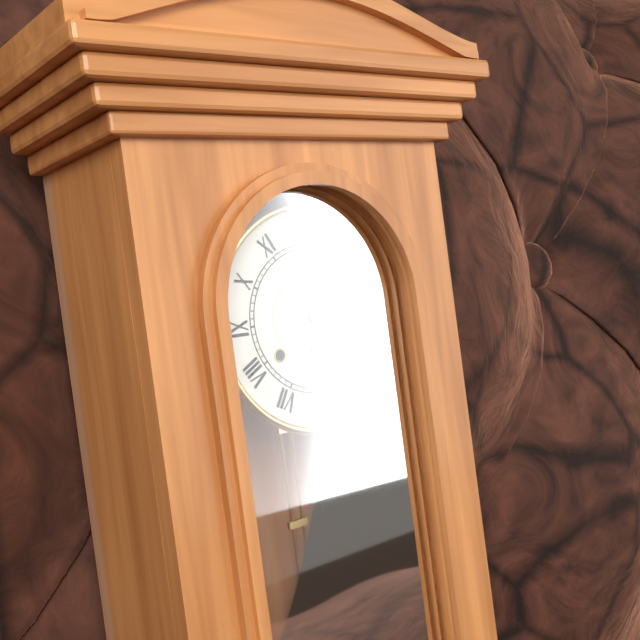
{"hour": 6, "minute": 1}
